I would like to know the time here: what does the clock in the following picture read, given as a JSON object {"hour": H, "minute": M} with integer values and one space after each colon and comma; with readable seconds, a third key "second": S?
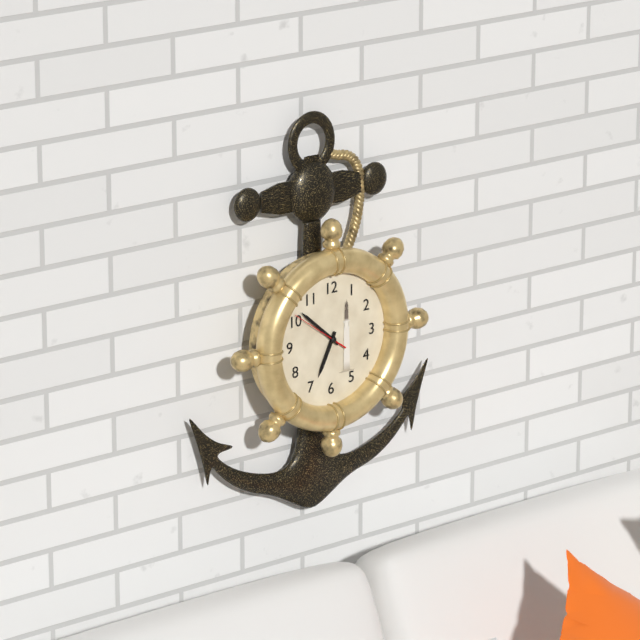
{"hour": 6, "minute": 52, "second": 51}
